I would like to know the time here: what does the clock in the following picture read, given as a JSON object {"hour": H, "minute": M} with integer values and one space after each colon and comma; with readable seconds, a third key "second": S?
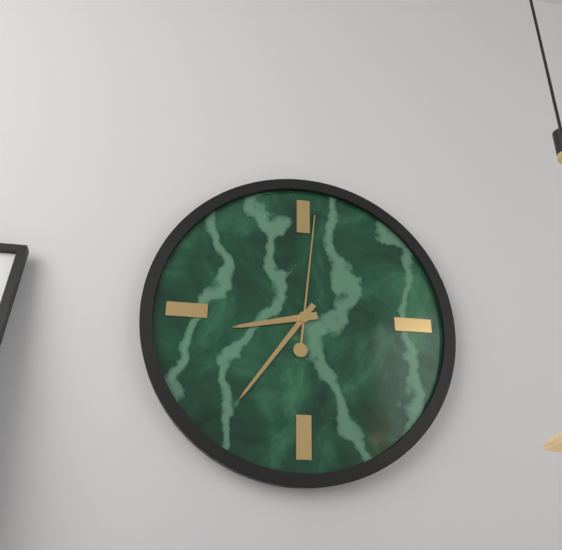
{"hour": 8, "minute": 36, "second": 1}
